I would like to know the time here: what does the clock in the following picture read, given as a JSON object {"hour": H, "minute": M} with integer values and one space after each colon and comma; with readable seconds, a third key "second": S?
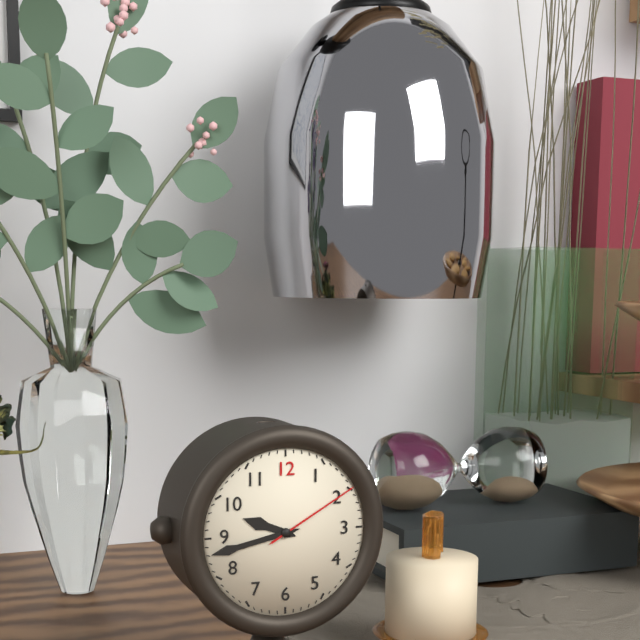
{"hour": 9, "minute": 43, "second": 10}
